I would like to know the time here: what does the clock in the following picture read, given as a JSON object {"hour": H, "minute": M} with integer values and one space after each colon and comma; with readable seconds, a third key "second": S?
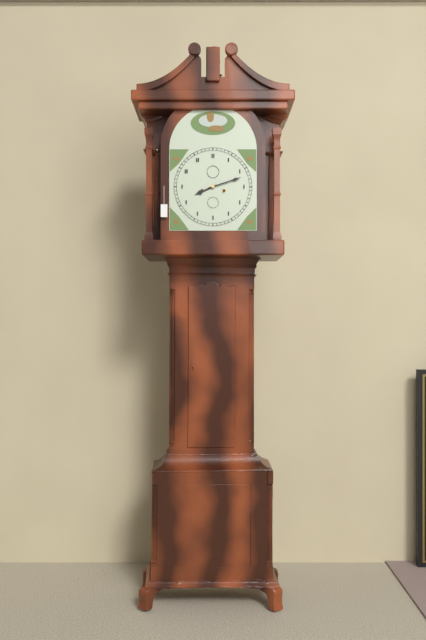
{"hour": 8, "minute": 12}
